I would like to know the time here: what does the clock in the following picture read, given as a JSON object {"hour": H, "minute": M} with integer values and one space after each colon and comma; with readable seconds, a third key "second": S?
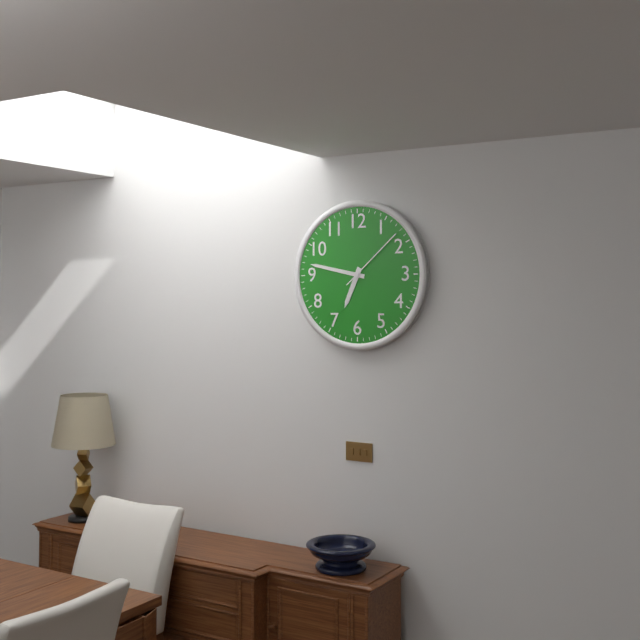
{"hour": 6, "minute": 47, "second": 8}
